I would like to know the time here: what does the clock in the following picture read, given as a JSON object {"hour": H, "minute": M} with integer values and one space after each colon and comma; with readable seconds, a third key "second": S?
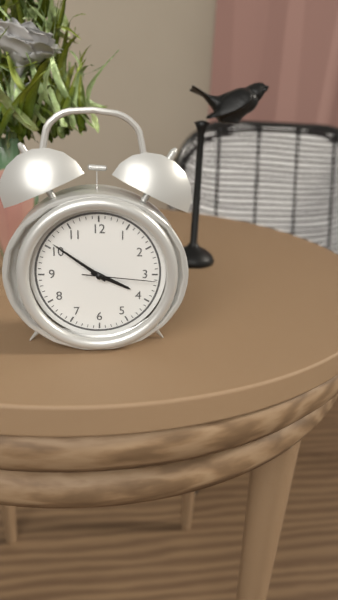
{"hour": 3, "minute": 51, "second": 16}
